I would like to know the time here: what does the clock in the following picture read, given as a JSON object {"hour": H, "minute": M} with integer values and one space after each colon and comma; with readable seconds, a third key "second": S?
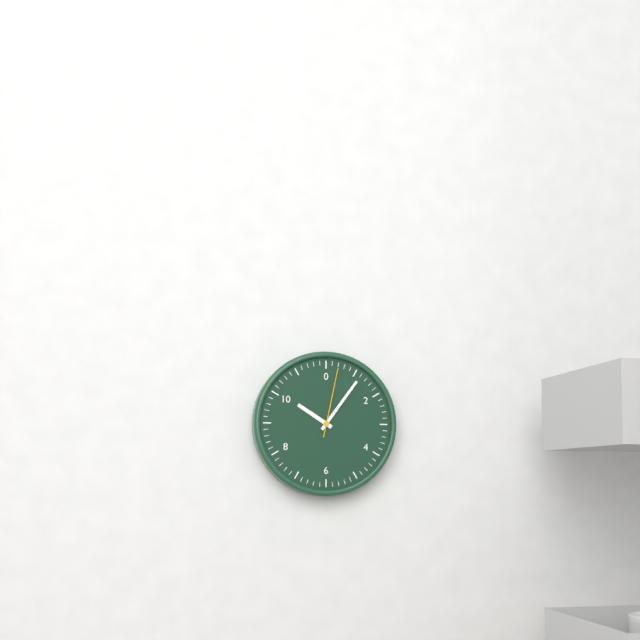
{"hour": 10, "minute": 6, "second": 2}
